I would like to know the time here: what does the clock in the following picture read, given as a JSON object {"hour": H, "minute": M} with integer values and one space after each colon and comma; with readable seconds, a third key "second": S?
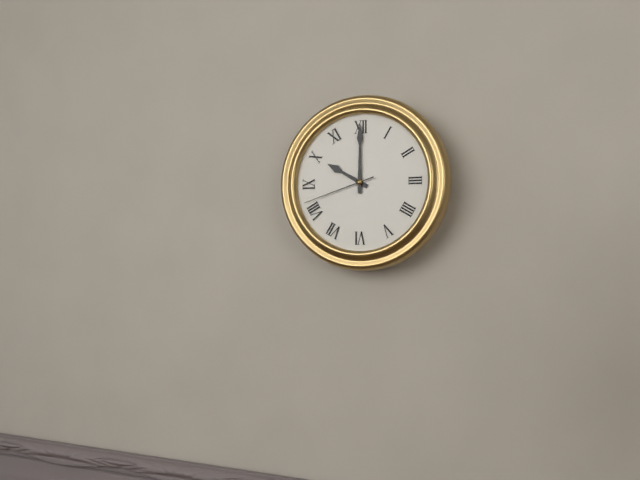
{"hour": 10, "minute": 0, "second": 42}
